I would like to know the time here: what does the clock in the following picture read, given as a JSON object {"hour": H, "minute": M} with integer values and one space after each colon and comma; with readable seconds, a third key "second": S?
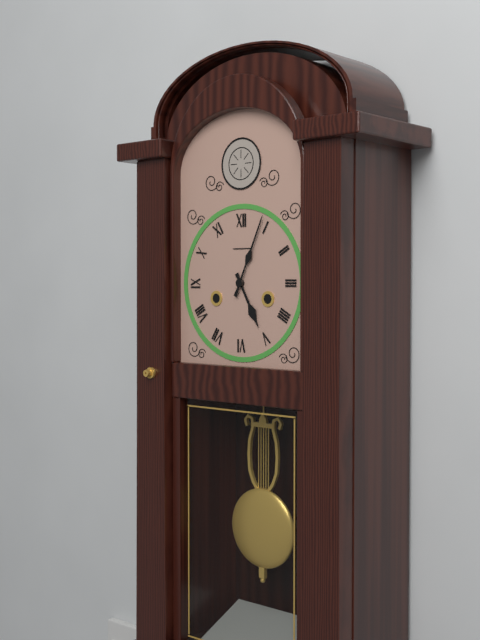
{"hour": 5, "minute": 4}
